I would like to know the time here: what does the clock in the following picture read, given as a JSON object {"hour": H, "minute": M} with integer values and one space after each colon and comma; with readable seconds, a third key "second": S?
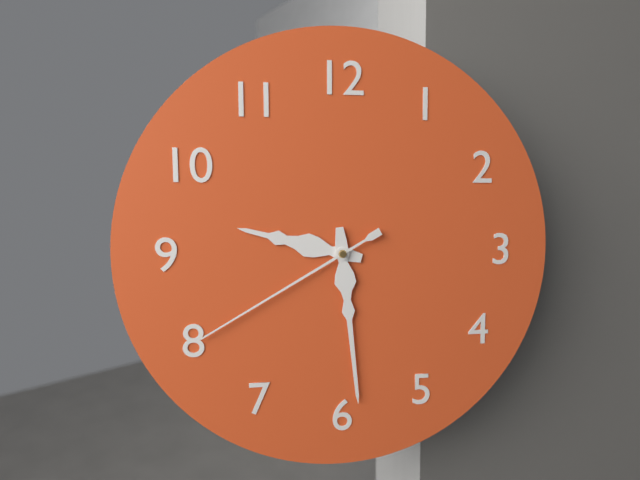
{"hour": 9, "minute": 29, "second": 40}
